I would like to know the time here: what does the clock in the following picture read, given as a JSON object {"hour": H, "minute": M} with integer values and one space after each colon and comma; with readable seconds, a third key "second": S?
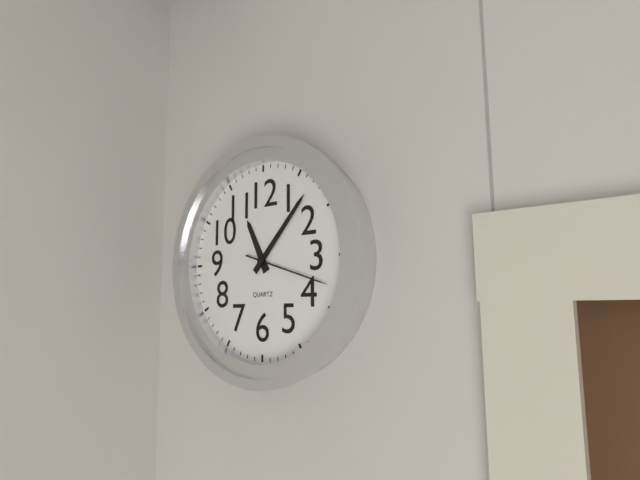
{"hour": 11, "minute": 7, "second": 18}
